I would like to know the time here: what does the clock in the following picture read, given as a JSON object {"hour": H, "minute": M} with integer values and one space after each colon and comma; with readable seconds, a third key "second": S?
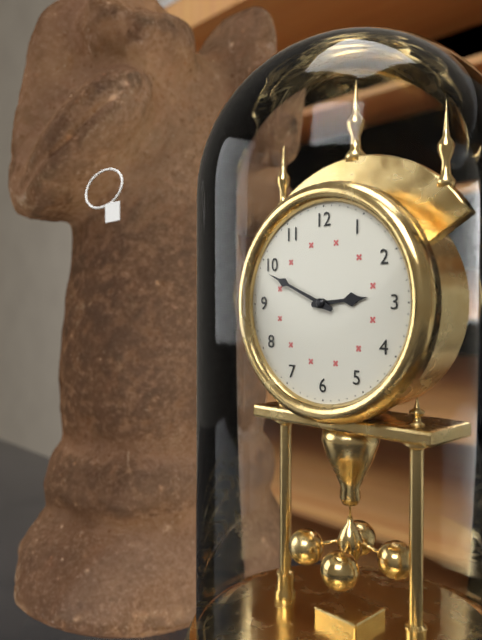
{"hour": 2, "minute": 49}
